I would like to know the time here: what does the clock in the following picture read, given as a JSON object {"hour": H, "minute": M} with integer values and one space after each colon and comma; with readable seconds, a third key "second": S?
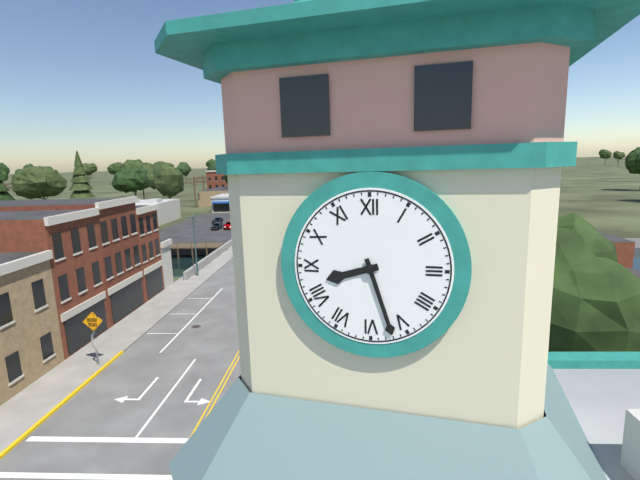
{"hour": 8, "minute": 27}
